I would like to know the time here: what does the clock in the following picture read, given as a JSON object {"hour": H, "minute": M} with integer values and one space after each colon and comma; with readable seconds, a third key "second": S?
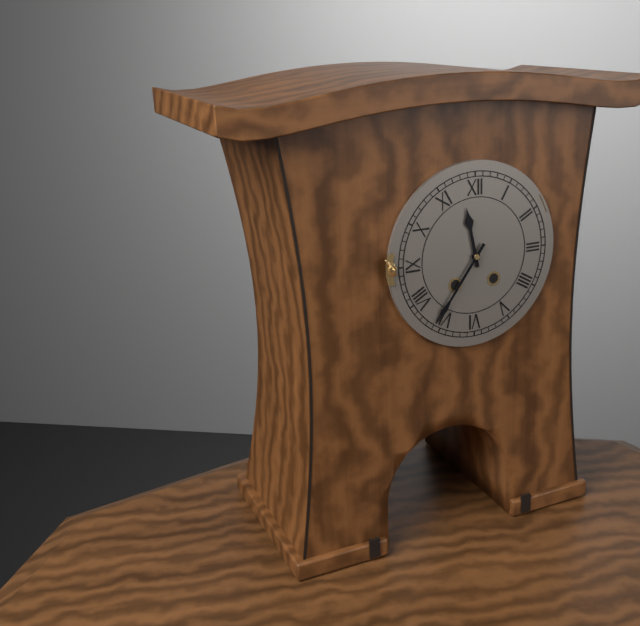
{"hour": 11, "minute": 36}
